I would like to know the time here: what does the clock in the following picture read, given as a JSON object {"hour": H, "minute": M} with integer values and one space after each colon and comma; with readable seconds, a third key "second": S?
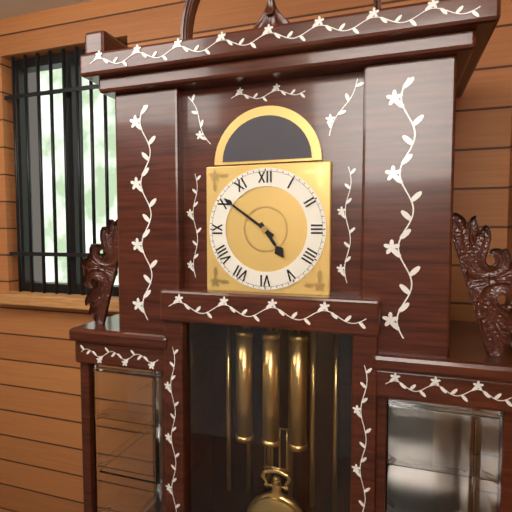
{"hour": 4, "minute": 51}
